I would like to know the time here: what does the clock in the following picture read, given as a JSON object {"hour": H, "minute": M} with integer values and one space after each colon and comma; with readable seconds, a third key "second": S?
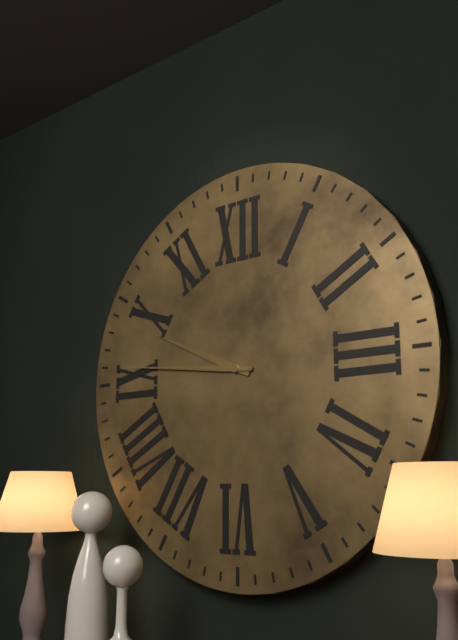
{"hour": 9, "minute": 46}
